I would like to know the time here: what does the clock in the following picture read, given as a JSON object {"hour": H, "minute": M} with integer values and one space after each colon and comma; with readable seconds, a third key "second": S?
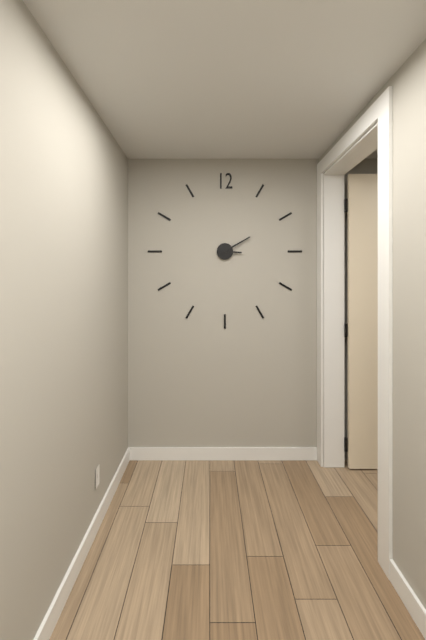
{"hour": 3, "minute": 10}
